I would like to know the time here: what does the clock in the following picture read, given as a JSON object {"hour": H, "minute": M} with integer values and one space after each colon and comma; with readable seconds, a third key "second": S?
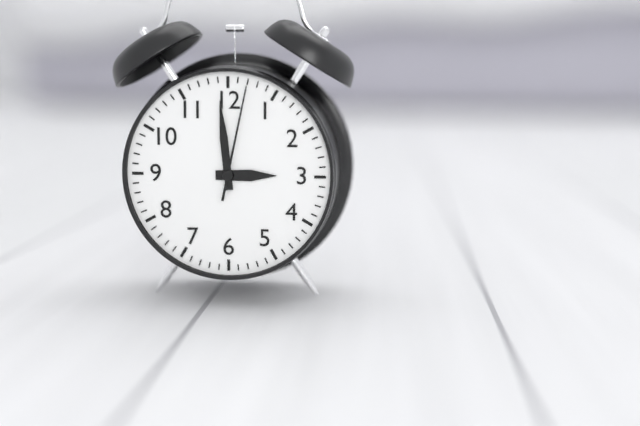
{"hour": 2, "minute": 59, "second": 2}
